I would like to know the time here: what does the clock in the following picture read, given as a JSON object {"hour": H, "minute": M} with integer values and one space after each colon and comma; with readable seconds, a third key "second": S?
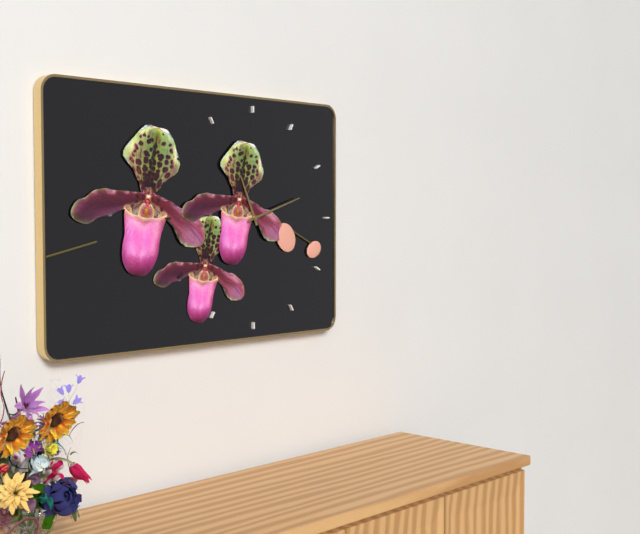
{"hour": 11, "minute": 12}
